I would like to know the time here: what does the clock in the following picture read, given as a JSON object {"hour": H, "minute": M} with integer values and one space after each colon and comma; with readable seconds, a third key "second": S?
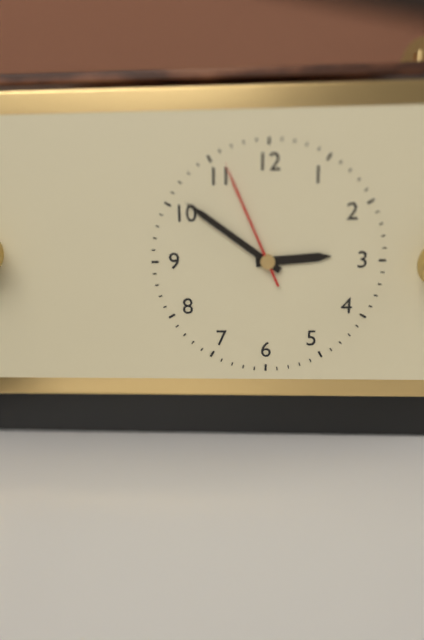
{"hour": 2, "minute": 51, "second": 56}
